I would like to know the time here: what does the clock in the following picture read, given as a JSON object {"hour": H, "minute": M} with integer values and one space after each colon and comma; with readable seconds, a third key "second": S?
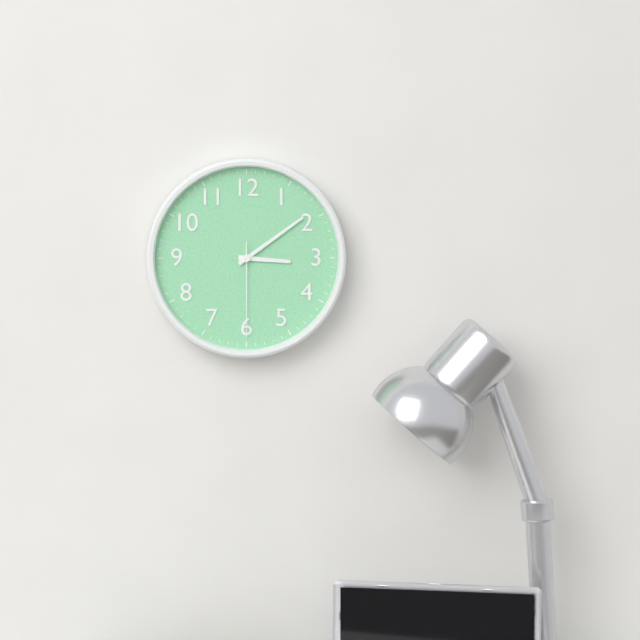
{"hour": 3, "minute": 9, "second": 30}
